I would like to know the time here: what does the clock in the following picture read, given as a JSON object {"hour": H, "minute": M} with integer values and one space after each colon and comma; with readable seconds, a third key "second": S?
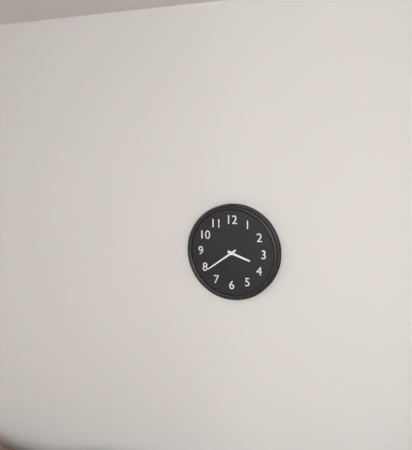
{"hour": 3, "minute": 39}
